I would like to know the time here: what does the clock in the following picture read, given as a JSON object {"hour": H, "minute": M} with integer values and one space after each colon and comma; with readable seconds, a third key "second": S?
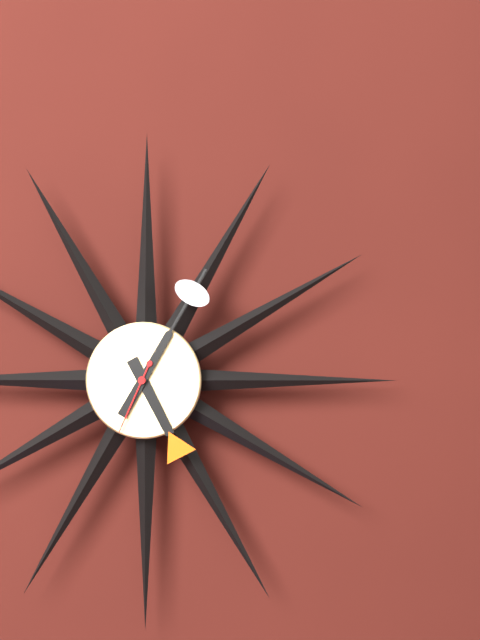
{"hour": 5, "minute": 5, "second": 34}
